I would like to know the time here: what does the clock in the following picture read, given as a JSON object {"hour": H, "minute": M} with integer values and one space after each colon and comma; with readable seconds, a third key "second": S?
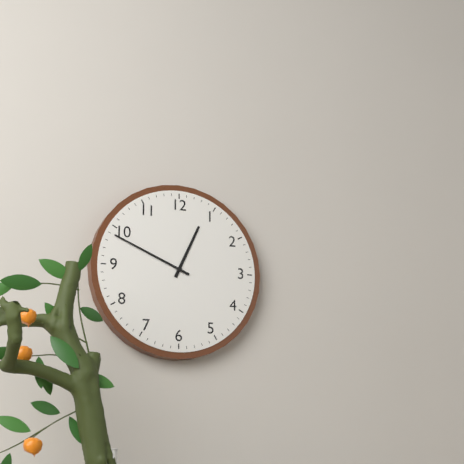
{"hour": 12, "minute": 49}
